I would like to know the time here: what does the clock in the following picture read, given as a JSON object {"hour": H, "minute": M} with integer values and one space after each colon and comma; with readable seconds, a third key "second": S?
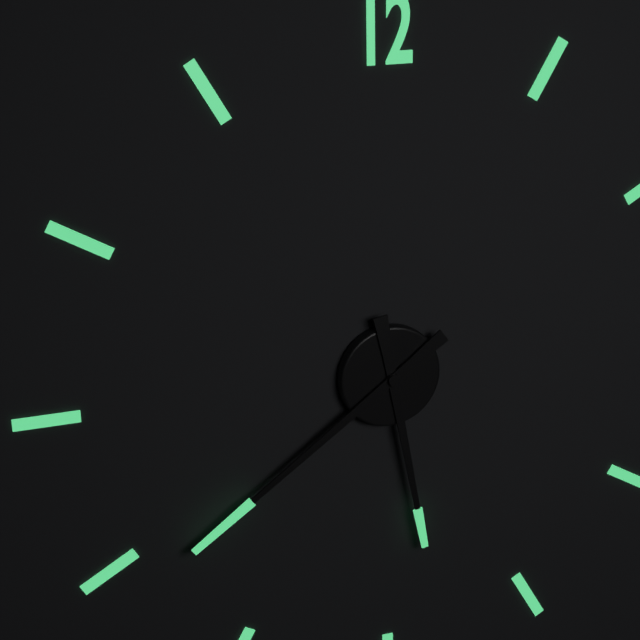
{"hour": 5, "minute": 39}
